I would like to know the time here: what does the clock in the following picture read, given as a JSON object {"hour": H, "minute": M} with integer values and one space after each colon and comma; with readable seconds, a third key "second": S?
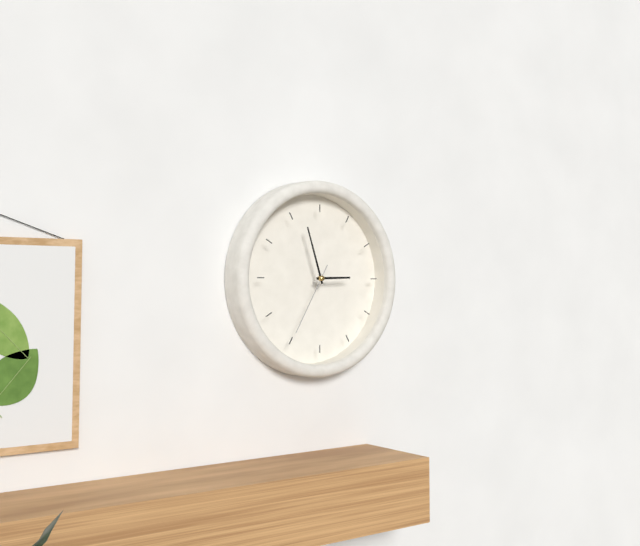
{"hour": 2, "minute": 57, "second": 35}
